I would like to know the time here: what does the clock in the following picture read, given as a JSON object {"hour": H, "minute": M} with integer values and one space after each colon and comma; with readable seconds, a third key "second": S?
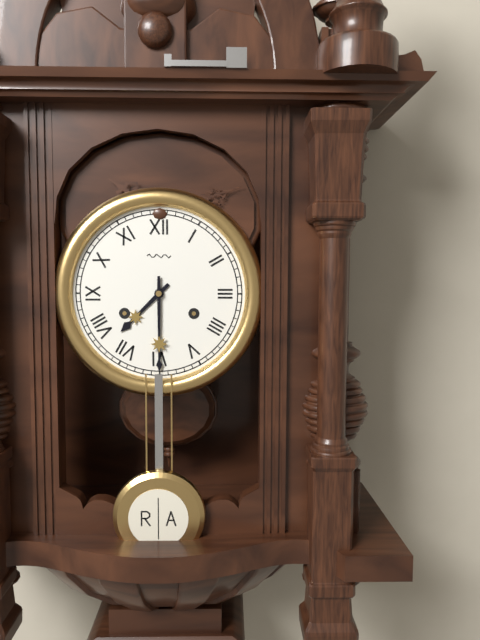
{"hour": 7, "minute": 30}
